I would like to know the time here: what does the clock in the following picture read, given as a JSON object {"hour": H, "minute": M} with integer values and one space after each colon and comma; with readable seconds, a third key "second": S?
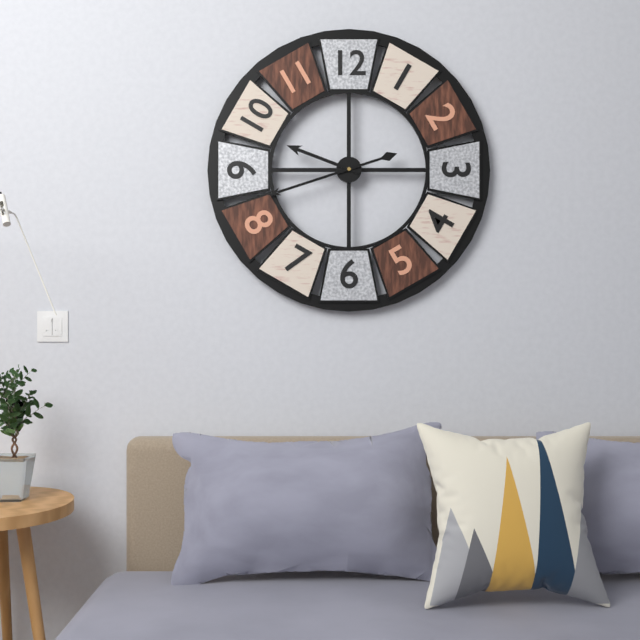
{"hour": 9, "minute": 42}
